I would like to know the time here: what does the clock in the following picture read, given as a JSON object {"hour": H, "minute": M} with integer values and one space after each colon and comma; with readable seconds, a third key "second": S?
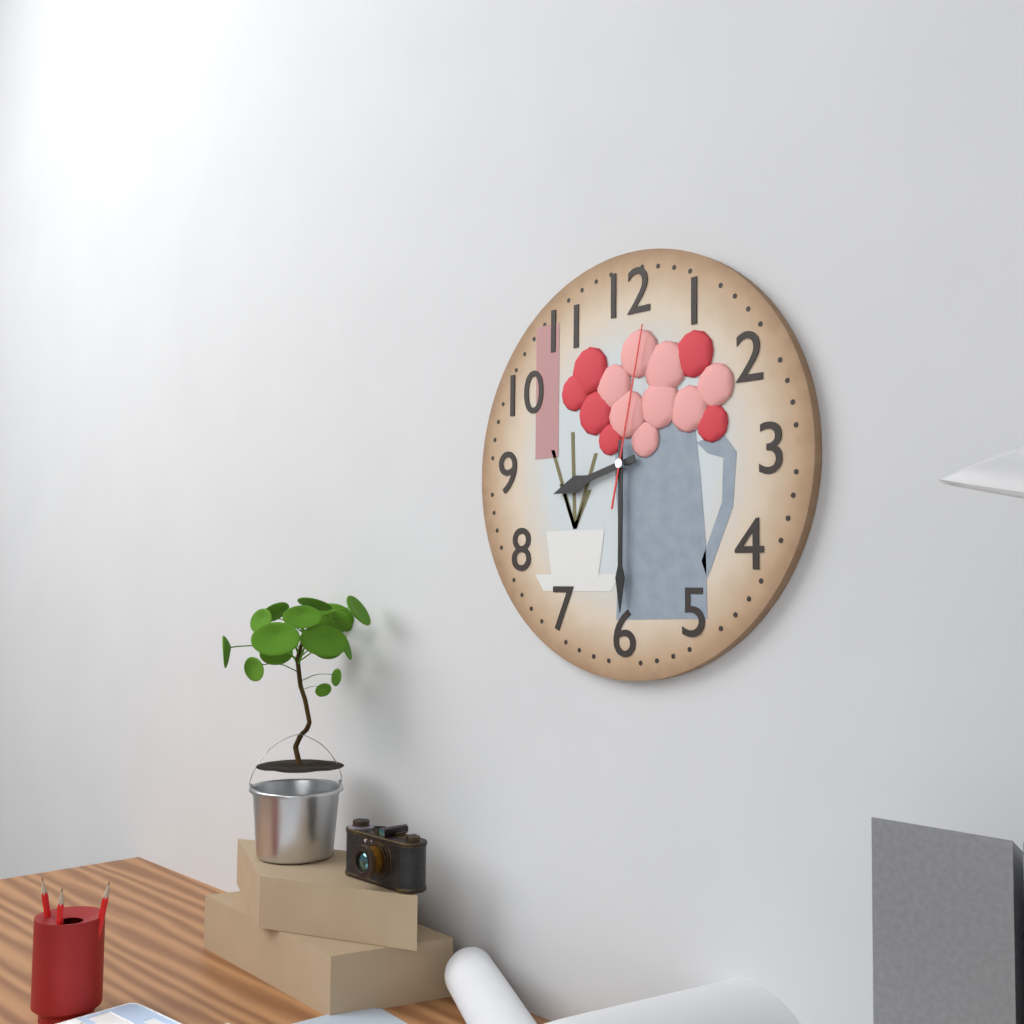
{"hour": 8, "minute": 30, "second": 2}
